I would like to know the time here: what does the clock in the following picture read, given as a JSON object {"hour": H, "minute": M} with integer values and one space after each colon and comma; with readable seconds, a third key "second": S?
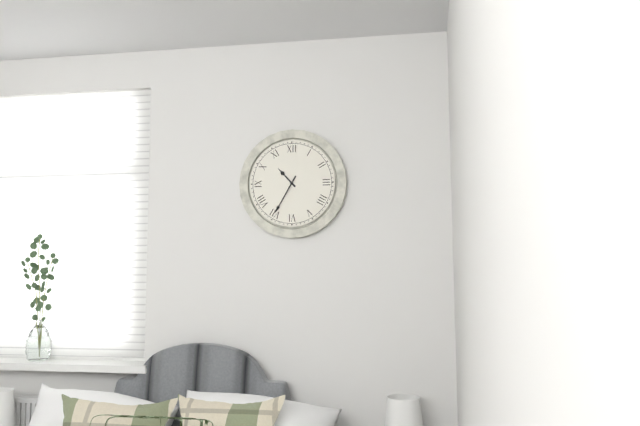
{"hour": 10, "minute": 35}
